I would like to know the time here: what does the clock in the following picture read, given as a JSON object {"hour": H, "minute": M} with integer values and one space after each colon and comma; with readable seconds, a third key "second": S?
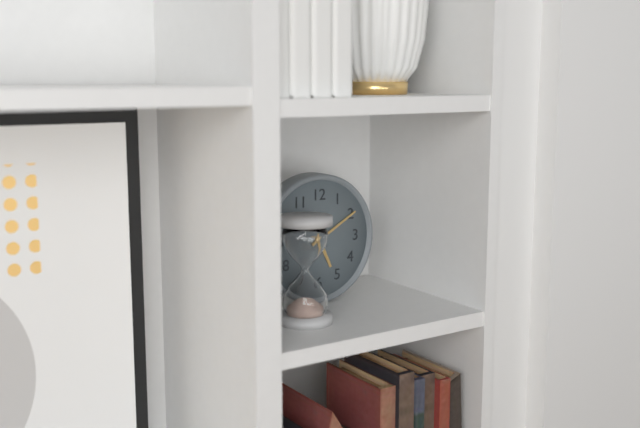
{"hour": 5, "minute": 10}
